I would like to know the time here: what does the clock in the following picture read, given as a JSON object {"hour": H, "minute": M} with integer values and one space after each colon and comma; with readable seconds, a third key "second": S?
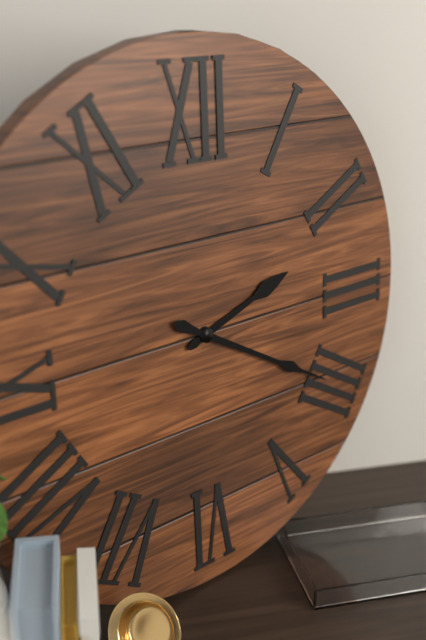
{"hour": 2, "minute": 20}
